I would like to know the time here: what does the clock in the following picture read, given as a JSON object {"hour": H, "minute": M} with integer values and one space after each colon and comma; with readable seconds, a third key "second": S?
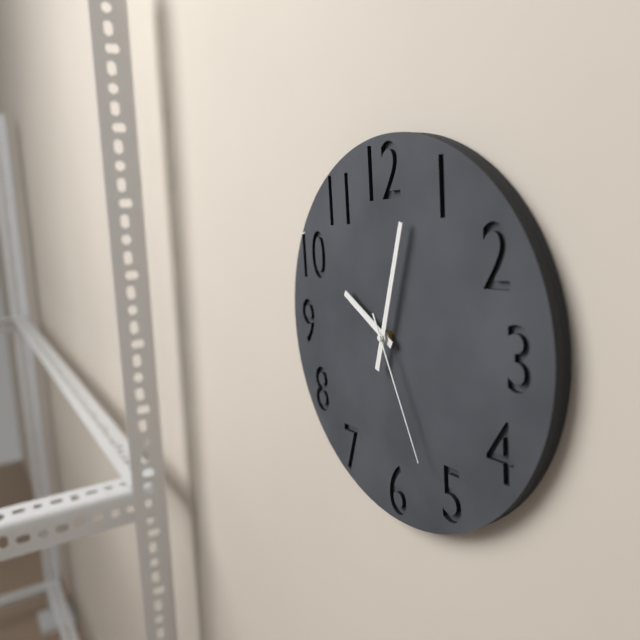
{"hour": 10, "minute": 3, "second": 26}
